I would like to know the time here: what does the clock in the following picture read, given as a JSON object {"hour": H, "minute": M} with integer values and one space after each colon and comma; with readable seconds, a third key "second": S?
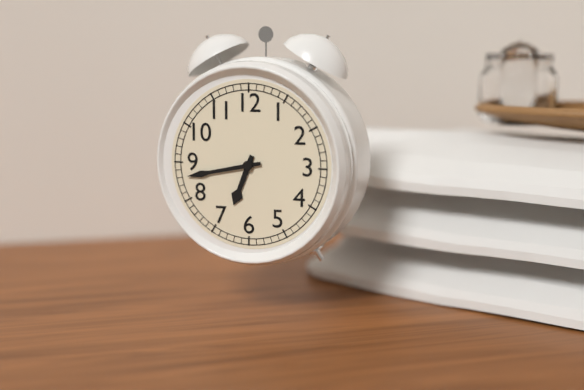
{"hour": 6, "minute": 43}
